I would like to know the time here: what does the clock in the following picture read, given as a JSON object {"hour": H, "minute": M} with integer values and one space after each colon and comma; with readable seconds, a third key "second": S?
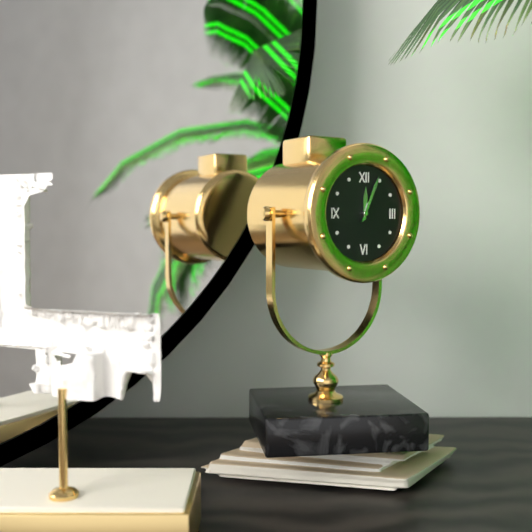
{"hour": 12, "minute": 4}
